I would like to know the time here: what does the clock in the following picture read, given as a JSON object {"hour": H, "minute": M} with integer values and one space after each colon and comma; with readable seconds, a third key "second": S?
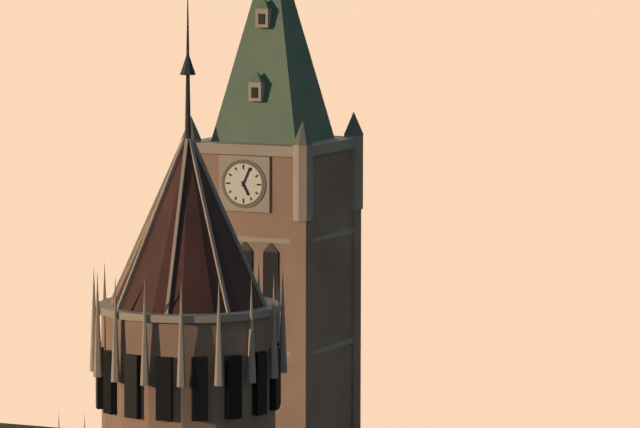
{"hour": 5, "minute": 4}
